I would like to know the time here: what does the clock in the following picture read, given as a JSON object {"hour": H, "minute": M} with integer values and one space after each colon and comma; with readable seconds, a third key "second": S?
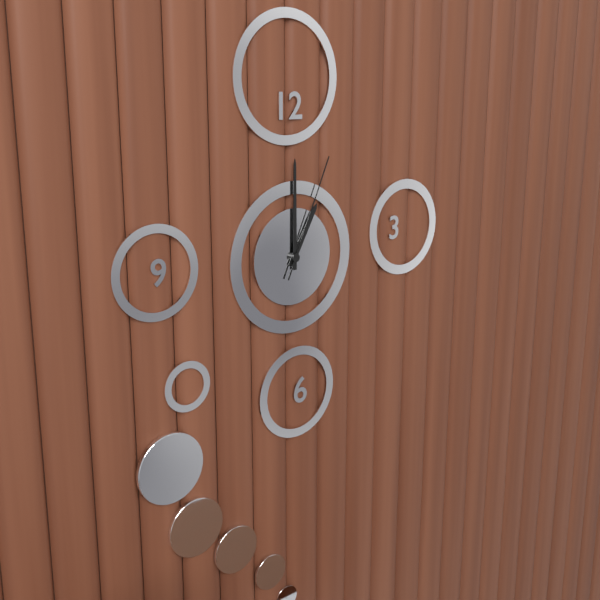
{"hour": 1, "minute": 0, "second": 4}
